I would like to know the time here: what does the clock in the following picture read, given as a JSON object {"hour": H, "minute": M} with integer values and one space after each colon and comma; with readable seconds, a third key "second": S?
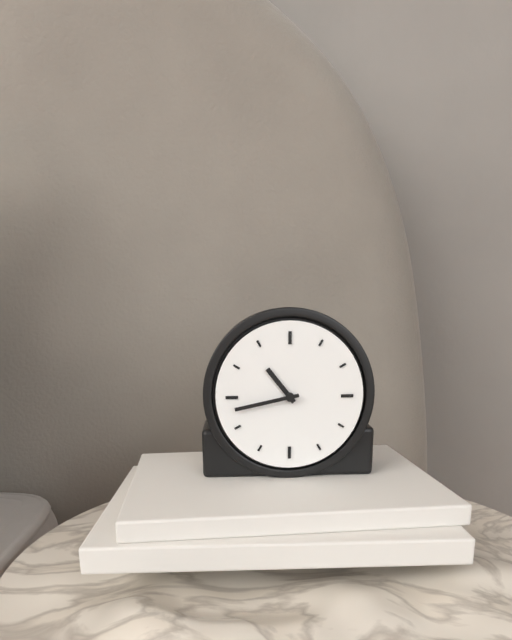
{"hour": 10, "minute": 43}
